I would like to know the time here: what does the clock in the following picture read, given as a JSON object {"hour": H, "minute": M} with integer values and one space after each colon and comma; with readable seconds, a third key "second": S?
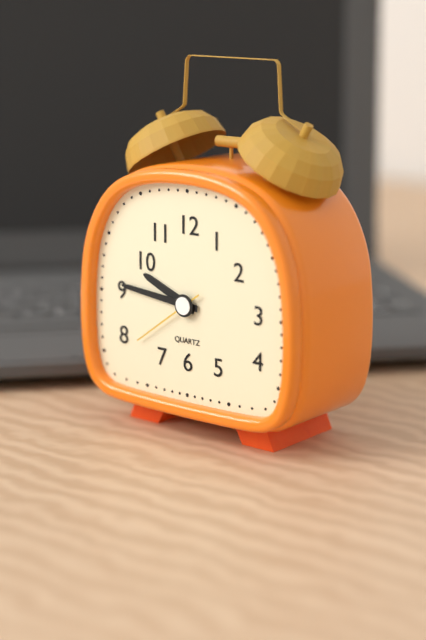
{"hour": 9, "minute": 46, "second": 39}
